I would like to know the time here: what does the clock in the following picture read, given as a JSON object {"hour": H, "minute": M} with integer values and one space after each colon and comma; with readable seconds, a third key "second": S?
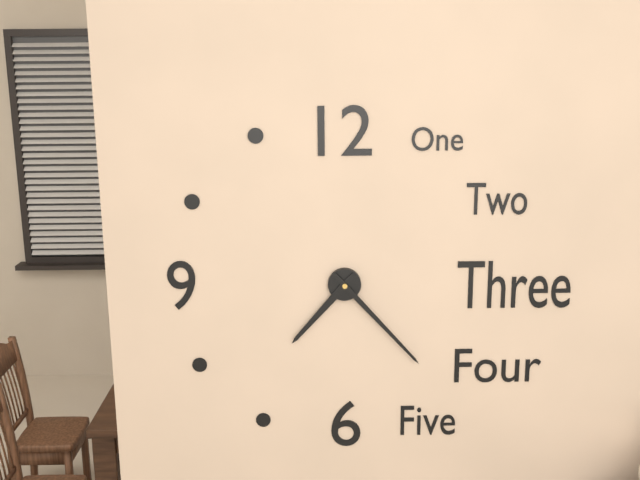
{"hour": 7, "minute": 23}
